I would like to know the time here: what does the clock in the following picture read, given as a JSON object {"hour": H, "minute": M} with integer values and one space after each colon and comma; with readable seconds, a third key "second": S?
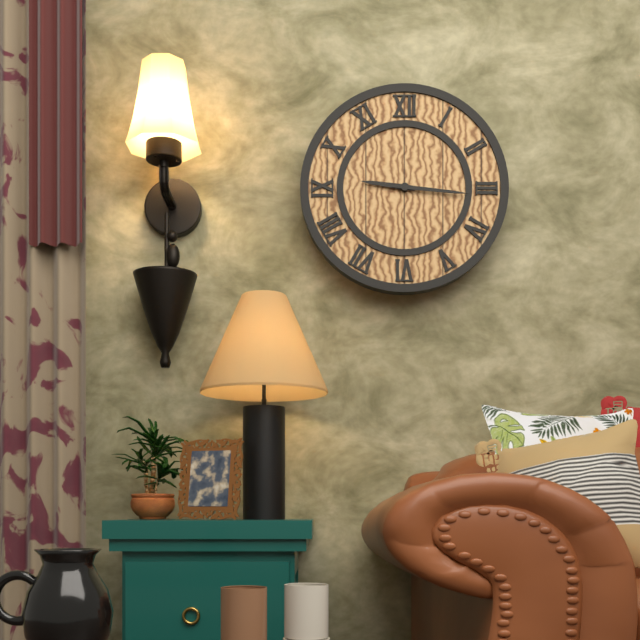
{"hour": 9, "minute": 16}
